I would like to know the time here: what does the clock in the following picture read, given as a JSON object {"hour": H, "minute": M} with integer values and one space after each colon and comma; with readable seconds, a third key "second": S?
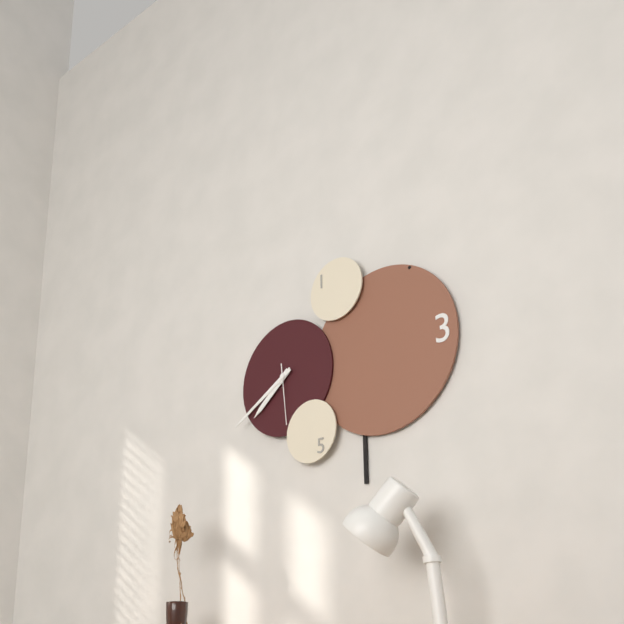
{"hour": 7, "minute": 40, "second": 29}
